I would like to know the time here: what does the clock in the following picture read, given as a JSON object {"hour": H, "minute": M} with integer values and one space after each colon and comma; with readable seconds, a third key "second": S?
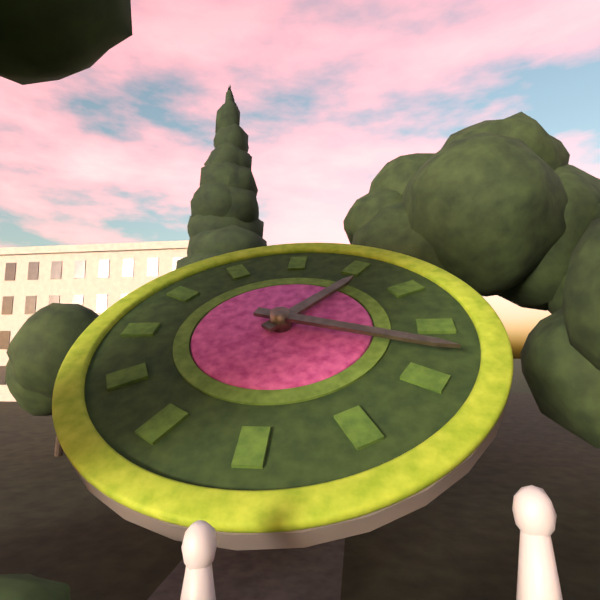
{"hour": 1, "minute": 18}
